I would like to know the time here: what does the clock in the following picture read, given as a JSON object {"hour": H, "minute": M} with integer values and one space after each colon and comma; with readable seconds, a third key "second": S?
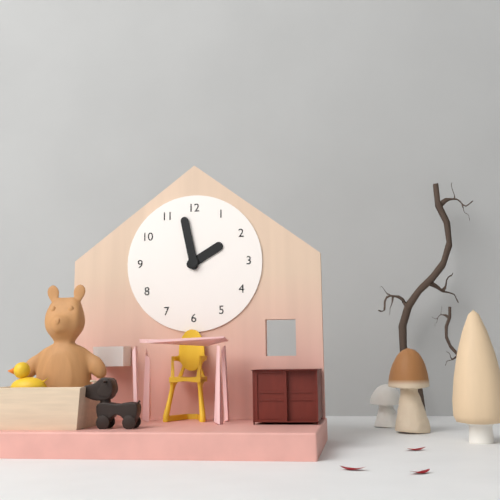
{"hour": 1, "minute": 58}
